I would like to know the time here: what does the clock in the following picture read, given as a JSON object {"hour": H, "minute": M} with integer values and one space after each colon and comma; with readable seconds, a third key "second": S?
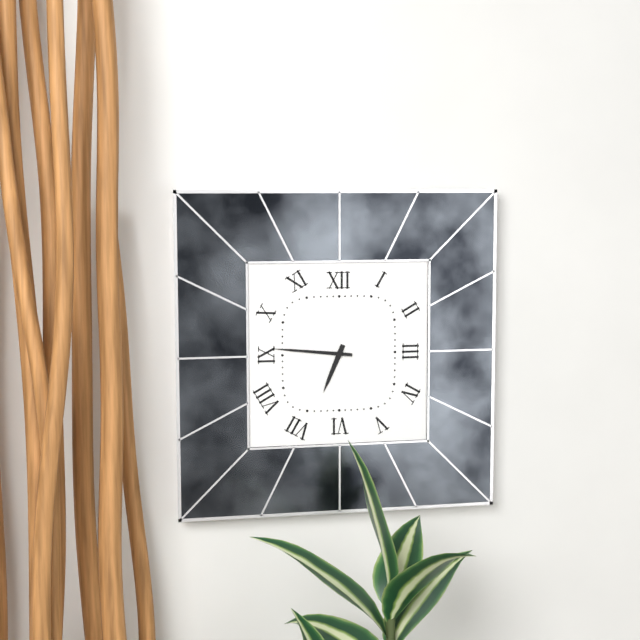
{"hour": 6, "minute": 46}
